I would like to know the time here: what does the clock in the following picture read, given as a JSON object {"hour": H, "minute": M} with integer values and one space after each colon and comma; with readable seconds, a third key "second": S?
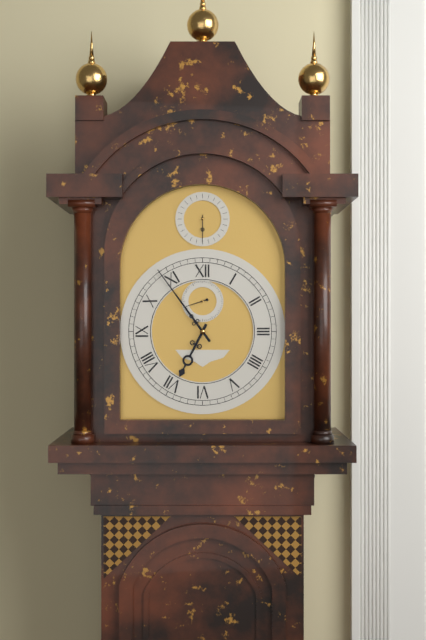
{"hour": 6, "minute": 54}
